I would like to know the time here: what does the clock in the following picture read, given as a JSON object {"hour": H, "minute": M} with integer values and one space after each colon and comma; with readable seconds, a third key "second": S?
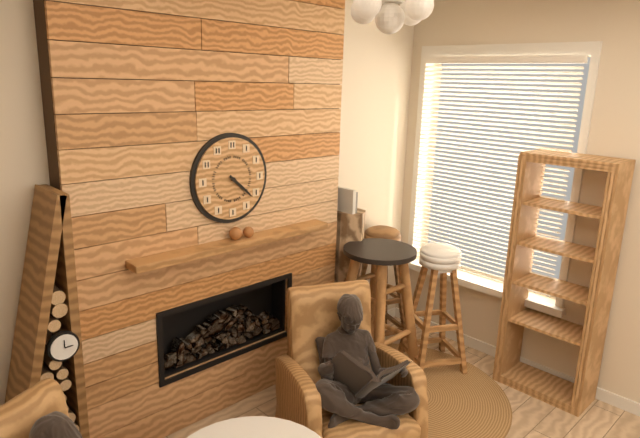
{"hour": 4, "minute": 22}
